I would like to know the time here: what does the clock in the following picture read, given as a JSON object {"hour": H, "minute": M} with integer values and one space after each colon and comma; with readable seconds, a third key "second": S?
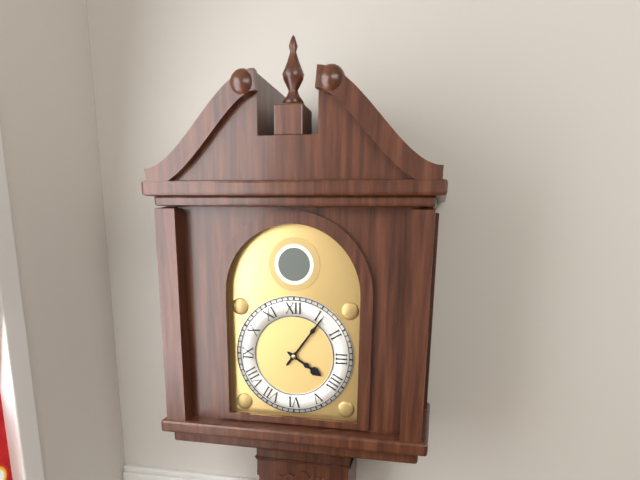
{"hour": 4, "minute": 6}
